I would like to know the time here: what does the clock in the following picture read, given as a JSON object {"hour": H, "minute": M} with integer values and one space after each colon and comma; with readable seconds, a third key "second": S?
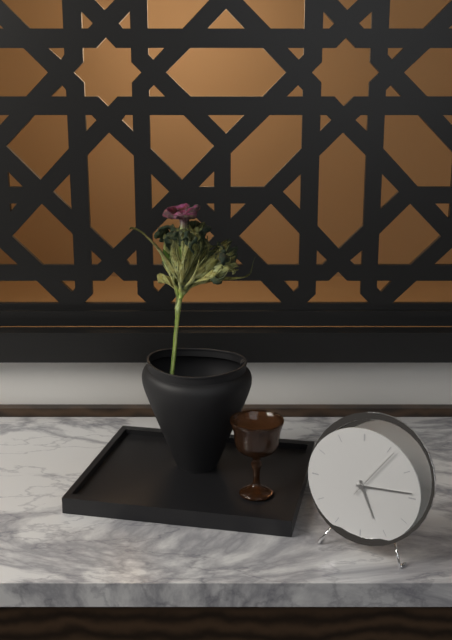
{"hour": 5, "minute": 14, "second": 6}
